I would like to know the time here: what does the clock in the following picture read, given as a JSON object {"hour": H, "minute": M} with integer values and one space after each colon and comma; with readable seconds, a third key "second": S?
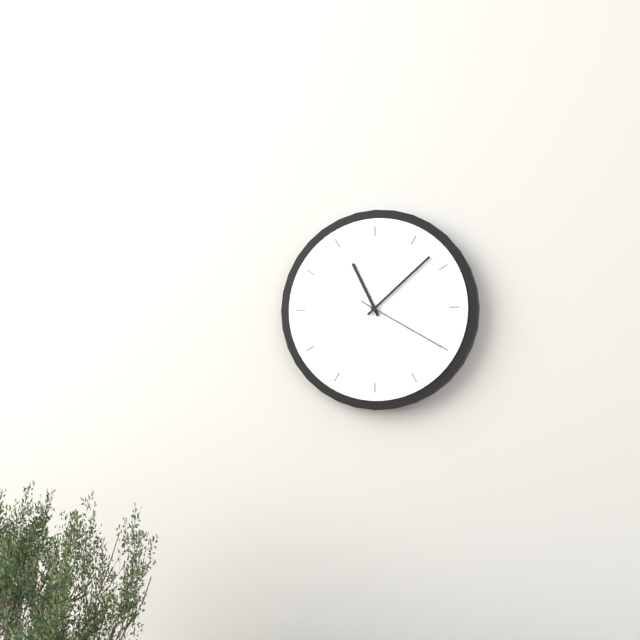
{"hour": 11, "minute": 8, "second": 20}
